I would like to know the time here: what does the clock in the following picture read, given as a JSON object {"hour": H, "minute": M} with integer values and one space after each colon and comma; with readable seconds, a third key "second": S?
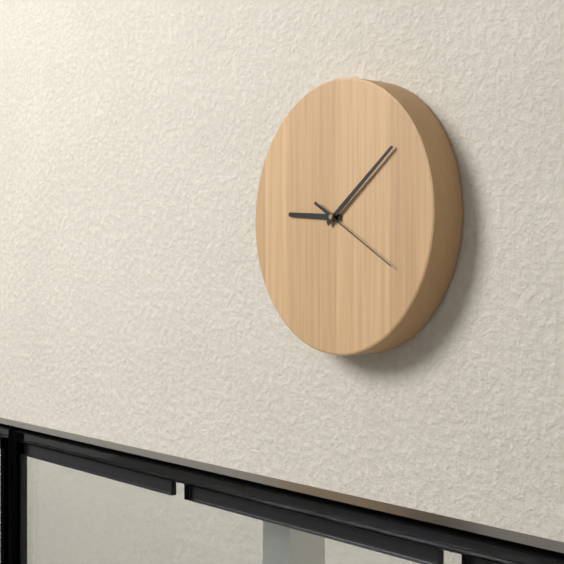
{"hour": 9, "minute": 9, "second": 20}
